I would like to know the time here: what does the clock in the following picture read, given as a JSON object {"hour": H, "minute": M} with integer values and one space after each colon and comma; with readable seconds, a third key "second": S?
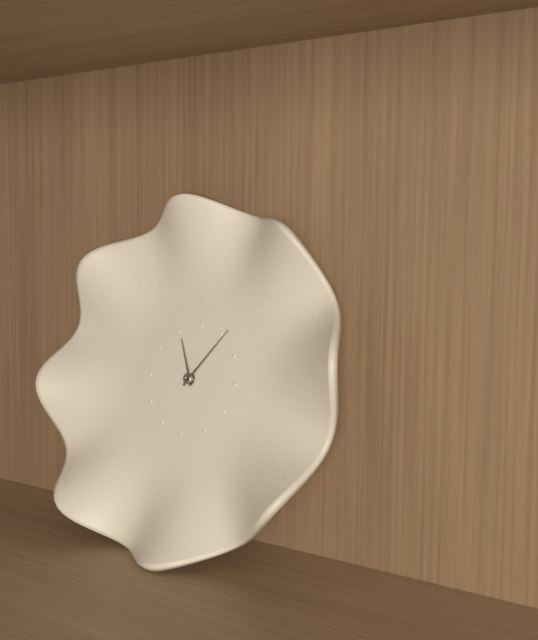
{"hour": 11, "minute": 6}
